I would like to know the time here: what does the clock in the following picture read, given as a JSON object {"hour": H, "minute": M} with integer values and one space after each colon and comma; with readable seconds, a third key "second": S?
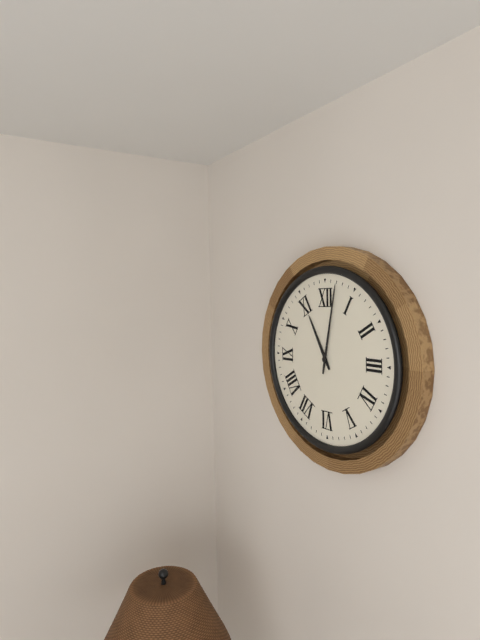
{"hour": 11, "minute": 2}
